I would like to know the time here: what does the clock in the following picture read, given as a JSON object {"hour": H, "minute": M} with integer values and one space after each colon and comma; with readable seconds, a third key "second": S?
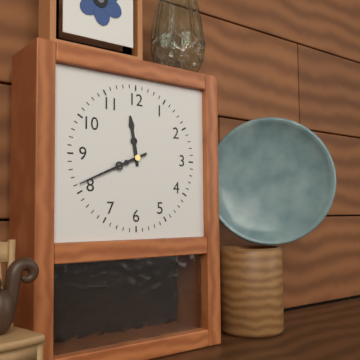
{"hour": 11, "minute": 41}
